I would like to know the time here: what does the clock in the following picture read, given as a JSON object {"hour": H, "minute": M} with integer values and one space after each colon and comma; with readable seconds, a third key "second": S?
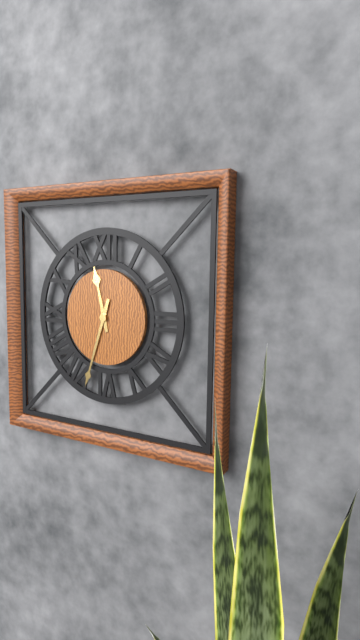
{"hour": 11, "minute": 33}
